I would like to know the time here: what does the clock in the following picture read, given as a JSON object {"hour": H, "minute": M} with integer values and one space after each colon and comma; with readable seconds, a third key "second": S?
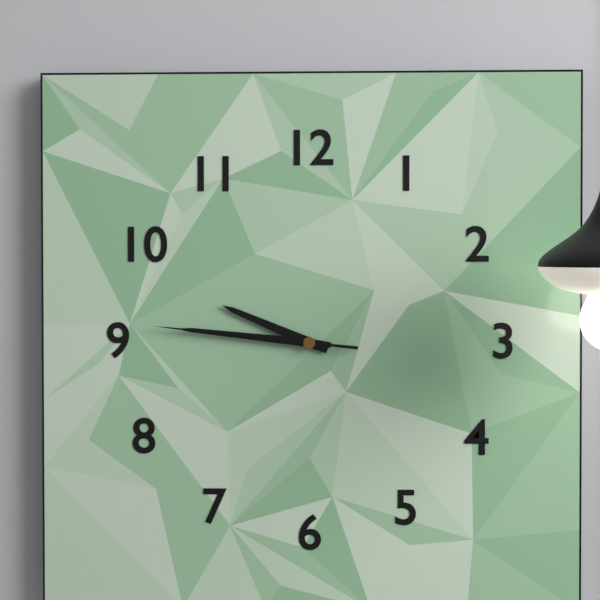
{"hour": 9, "minute": 46, "second": 46}
